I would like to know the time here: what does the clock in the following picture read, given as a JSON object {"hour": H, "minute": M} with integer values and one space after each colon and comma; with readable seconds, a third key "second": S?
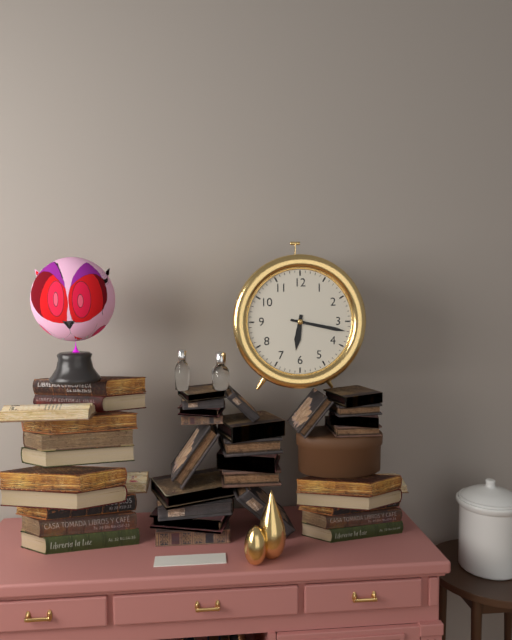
{"hour": 6, "minute": 17}
